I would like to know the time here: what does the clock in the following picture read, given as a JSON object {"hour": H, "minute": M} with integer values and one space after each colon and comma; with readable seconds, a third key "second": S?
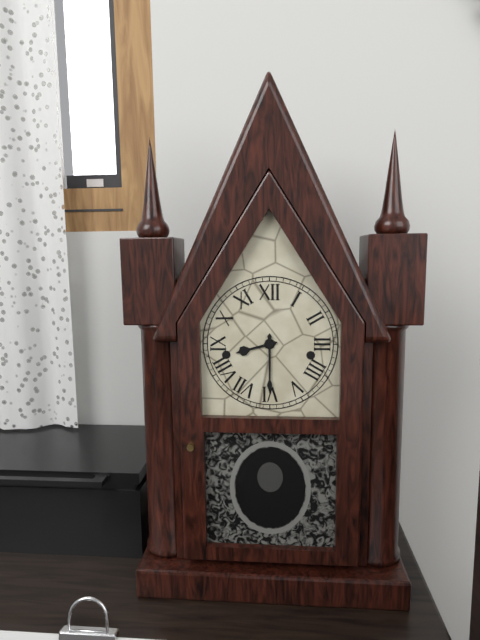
{"hour": 8, "minute": 30}
